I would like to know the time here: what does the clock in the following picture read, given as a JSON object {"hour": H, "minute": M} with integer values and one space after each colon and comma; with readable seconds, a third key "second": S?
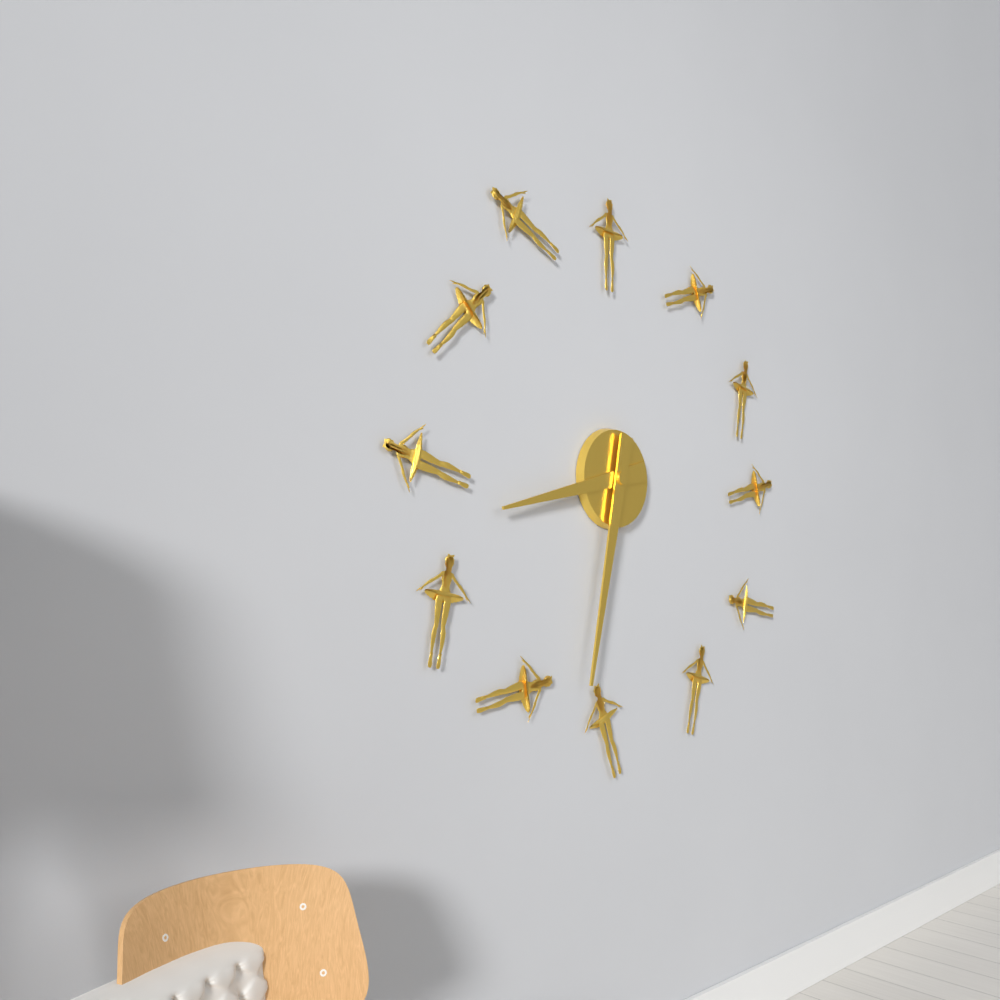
{"hour": 8, "minute": 32}
